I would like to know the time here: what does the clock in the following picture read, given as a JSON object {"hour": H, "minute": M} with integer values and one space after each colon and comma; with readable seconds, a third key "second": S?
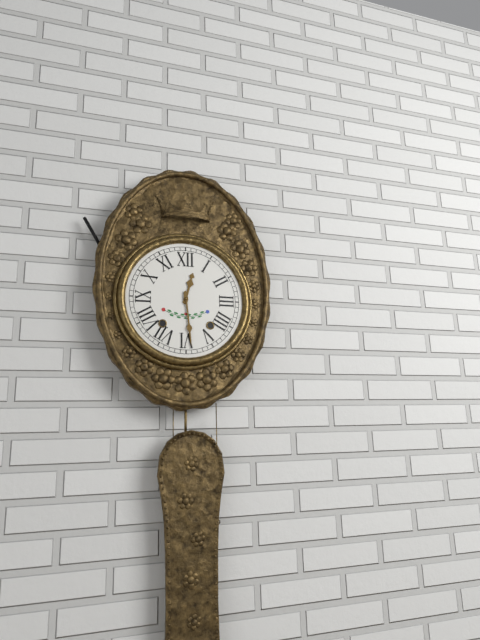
{"hour": 12, "minute": 29}
